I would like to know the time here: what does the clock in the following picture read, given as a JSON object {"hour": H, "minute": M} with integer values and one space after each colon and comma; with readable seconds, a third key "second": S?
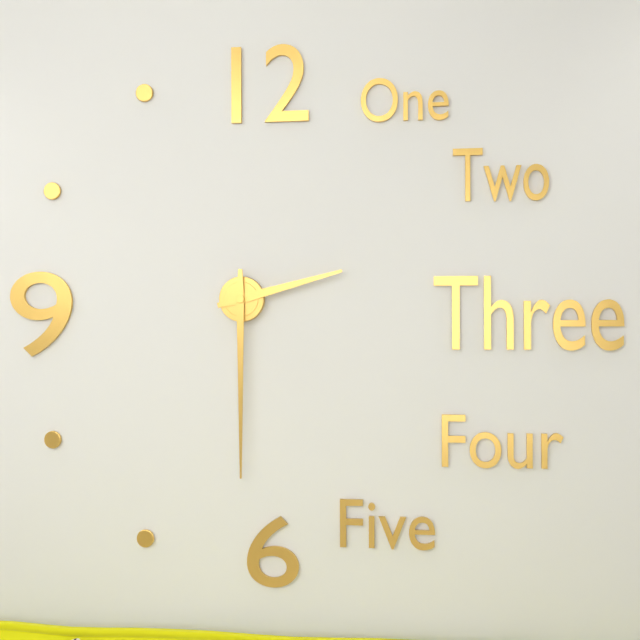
{"hour": 2, "minute": 30}
